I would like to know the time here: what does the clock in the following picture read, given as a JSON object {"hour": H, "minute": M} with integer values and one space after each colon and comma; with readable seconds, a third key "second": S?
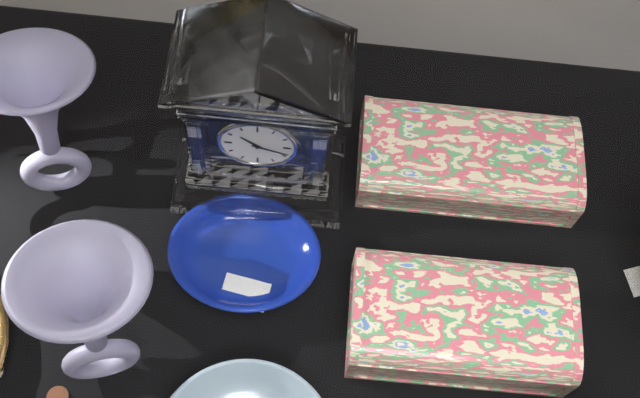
{"hour": 10, "minute": 18}
